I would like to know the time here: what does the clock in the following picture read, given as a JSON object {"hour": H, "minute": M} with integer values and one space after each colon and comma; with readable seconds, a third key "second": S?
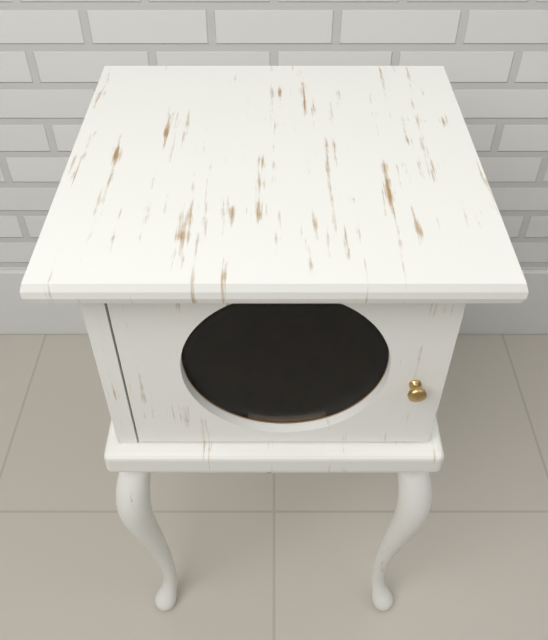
{"hour": 5, "minute": 48, "second": 44}
